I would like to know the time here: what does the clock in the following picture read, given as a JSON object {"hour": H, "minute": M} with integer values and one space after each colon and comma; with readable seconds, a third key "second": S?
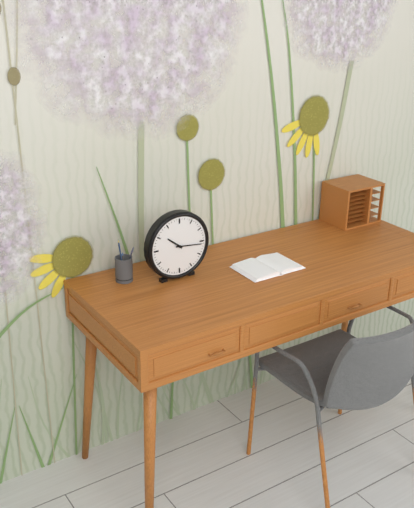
{"hour": 10, "minute": 16}
